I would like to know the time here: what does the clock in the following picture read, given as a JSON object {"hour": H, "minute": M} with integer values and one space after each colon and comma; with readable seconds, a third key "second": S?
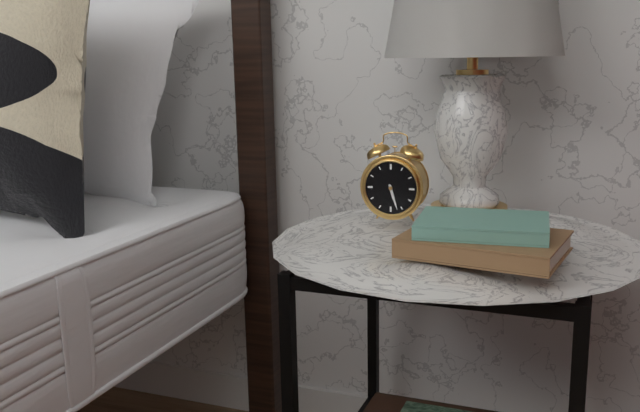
{"hour": 5, "minute": 27}
